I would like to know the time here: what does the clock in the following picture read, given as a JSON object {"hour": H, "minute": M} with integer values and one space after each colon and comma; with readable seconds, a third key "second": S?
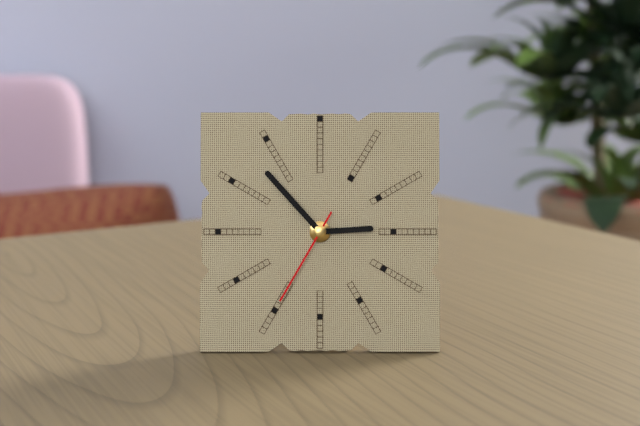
{"hour": 2, "minute": 53, "second": 35}
